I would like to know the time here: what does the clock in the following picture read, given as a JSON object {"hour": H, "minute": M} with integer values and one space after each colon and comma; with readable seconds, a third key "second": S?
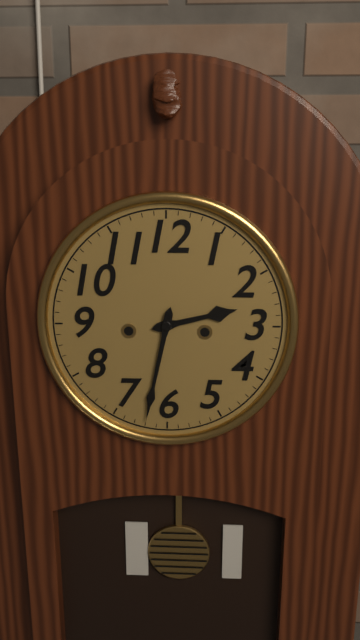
{"hour": 2, "minute": 32}
